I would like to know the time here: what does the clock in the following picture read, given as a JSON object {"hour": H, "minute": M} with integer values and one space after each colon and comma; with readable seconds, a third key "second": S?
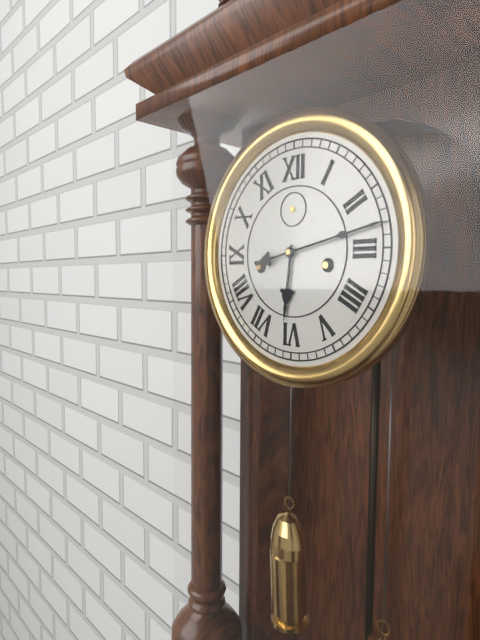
{"hour": 6, "minute": 13}
